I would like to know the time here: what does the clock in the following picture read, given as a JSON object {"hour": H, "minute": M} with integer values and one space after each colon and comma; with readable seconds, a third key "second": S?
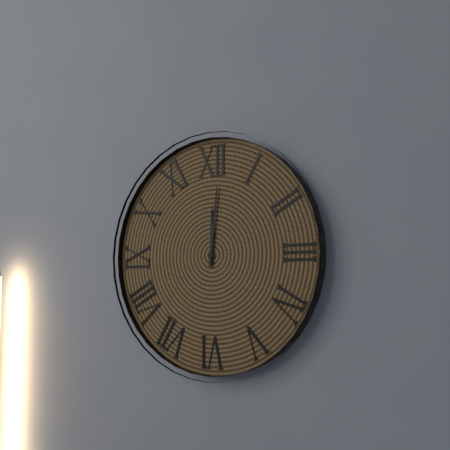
{"hour": 12, "minute": 1}
